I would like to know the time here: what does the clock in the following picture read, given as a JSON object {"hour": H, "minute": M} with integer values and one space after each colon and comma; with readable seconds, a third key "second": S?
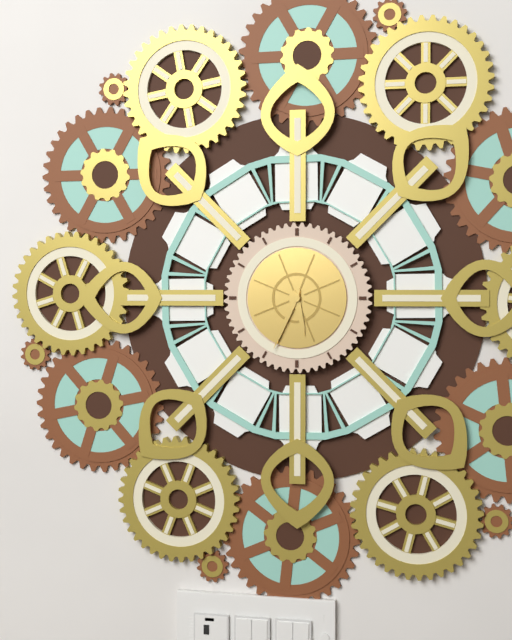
{"hour": 5, "minute": 34}
